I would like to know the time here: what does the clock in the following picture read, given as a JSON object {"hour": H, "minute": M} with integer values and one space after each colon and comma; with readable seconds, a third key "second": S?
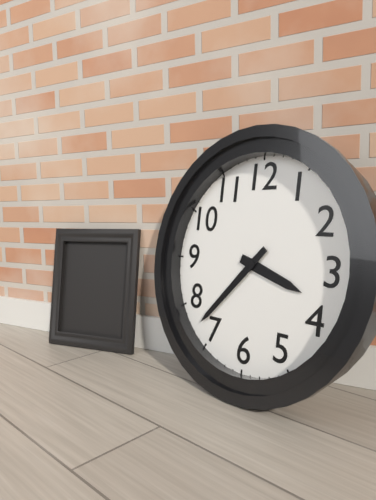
{"hour": 3, "minute": 37}
